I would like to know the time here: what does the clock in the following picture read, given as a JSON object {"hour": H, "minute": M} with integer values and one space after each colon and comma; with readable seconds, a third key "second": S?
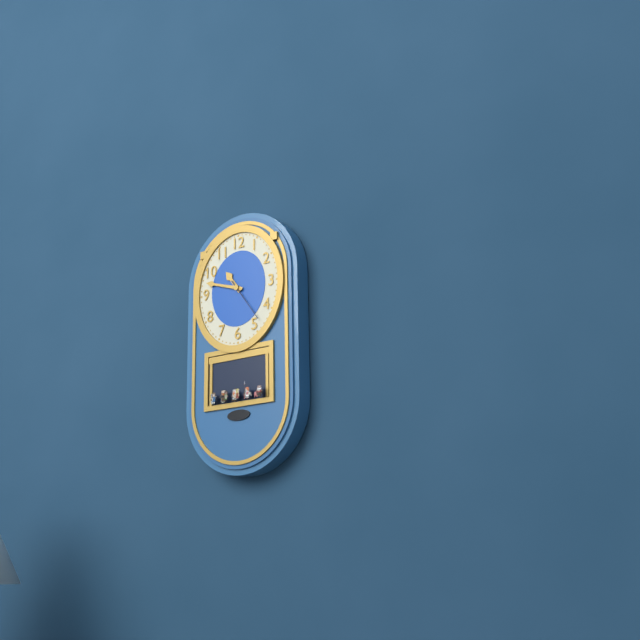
{"hour": 10, "minute": 48}
